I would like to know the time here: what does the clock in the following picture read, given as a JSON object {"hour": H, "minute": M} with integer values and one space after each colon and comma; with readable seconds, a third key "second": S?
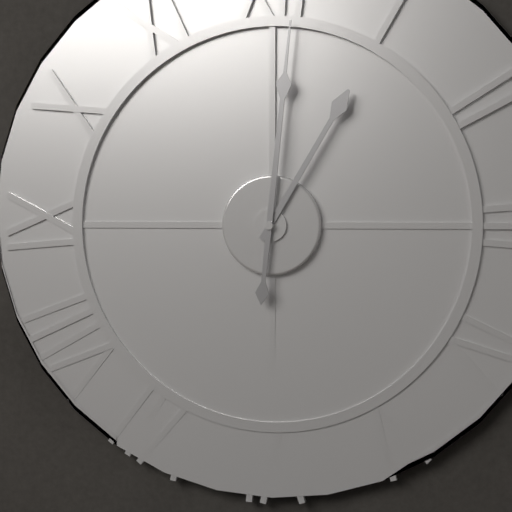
{"hour": 1, "minute": 1}
